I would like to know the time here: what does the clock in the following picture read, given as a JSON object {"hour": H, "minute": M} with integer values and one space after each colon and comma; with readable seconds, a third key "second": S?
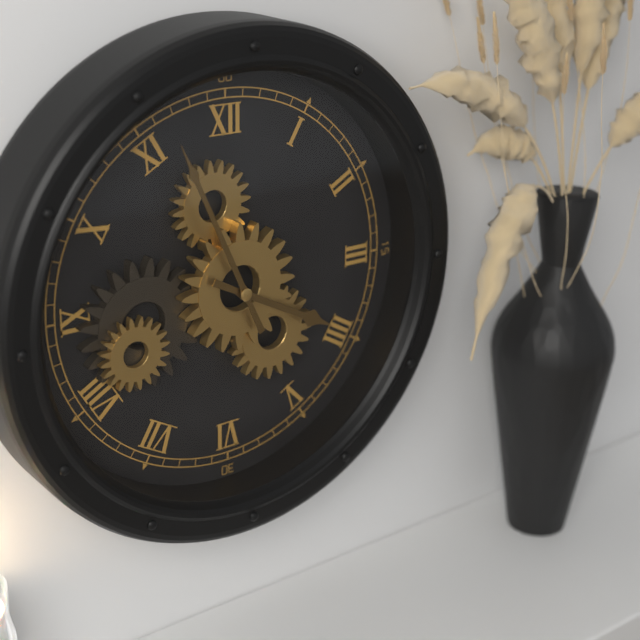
{"hour": 3, "minute": 56}
